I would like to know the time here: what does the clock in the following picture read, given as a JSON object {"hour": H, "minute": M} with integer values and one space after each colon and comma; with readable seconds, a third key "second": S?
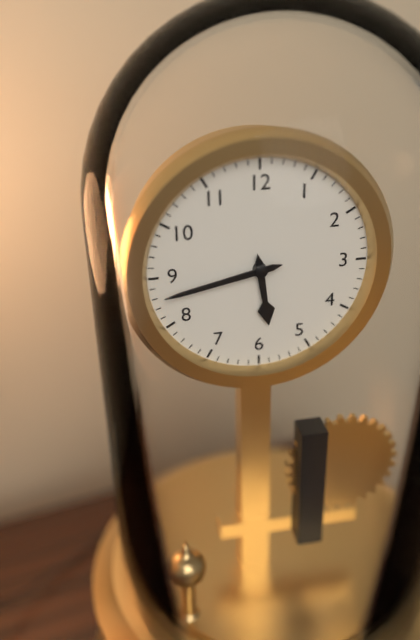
{"hour": 5, "minute": 43}
